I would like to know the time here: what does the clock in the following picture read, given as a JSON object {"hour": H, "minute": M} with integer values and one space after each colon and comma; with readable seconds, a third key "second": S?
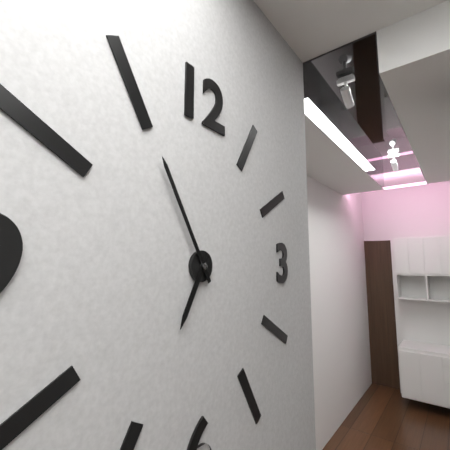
{"hour": 6, "minute": 55}
